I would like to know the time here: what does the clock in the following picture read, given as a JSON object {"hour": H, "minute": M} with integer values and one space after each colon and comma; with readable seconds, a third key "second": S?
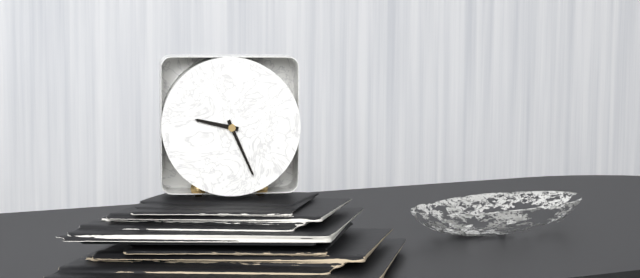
{"hour": 9, "minute": 26}
